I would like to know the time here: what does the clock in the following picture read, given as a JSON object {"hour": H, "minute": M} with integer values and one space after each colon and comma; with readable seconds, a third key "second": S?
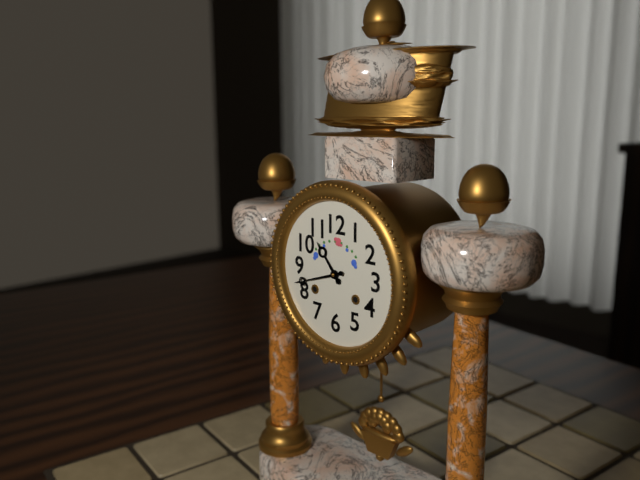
{"hour": 10, "minute": 42}
